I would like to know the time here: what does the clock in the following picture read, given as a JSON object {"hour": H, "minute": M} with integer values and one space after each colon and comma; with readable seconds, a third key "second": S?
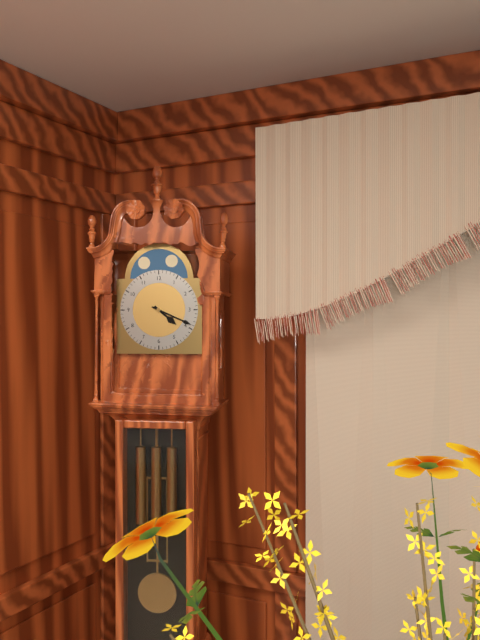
{"hour": 4, "minute": 19}
